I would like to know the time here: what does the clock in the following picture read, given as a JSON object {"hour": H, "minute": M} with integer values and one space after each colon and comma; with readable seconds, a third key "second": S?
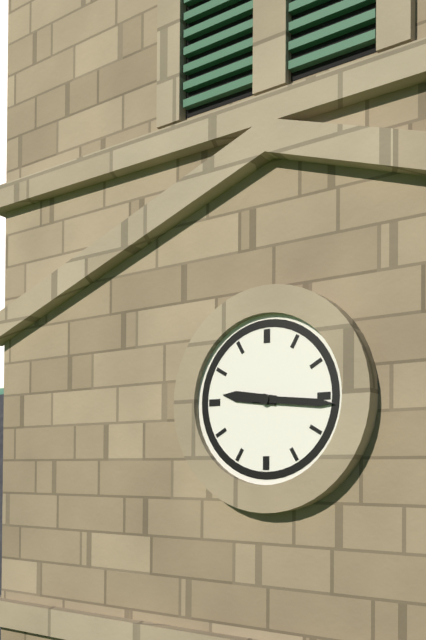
{"hour": 9, "minute": 16}
